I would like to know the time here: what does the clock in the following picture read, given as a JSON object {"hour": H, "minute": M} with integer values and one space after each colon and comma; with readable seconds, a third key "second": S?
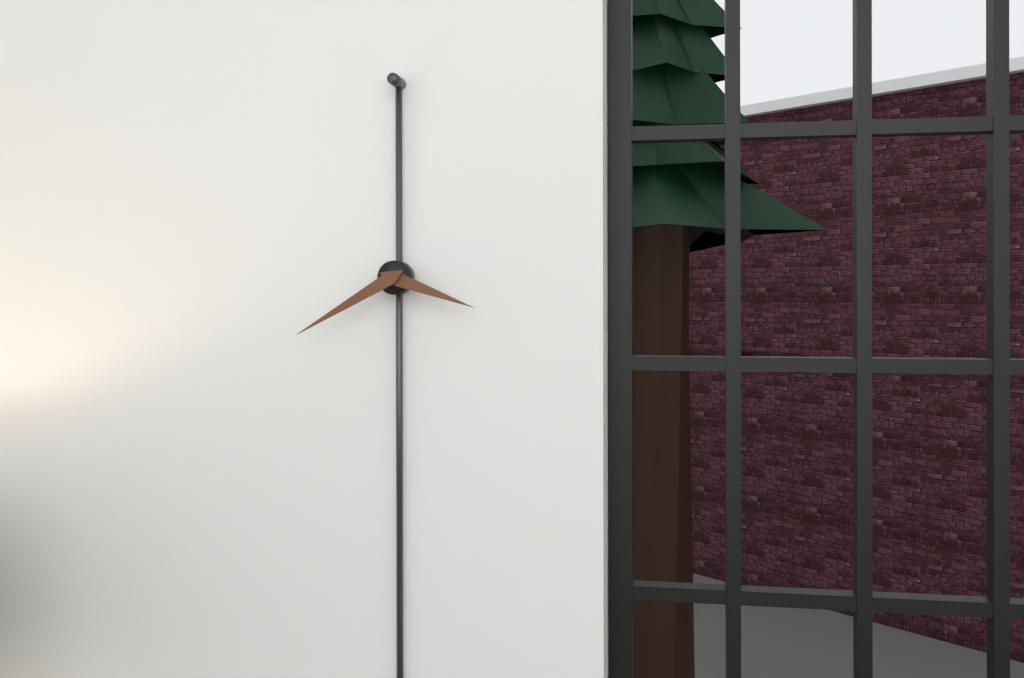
{"hour": 3, "minute": 40}
